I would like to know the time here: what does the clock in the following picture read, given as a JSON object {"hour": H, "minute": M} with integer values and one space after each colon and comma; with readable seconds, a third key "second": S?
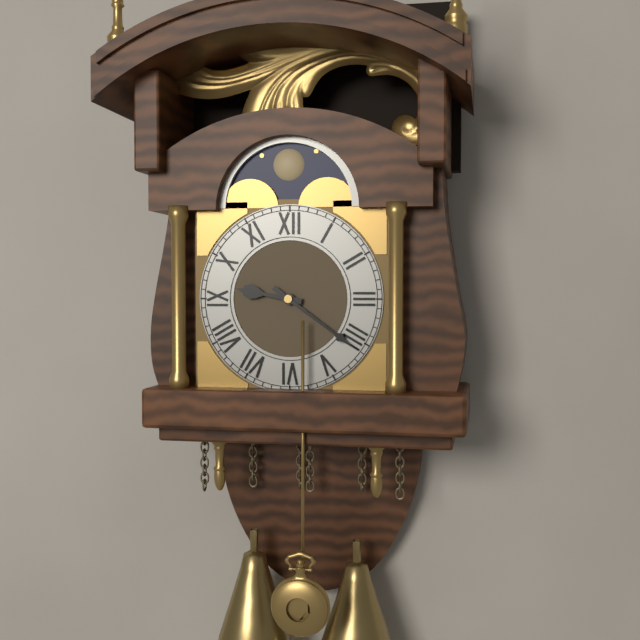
{"hour": 9, "minute": 21}
